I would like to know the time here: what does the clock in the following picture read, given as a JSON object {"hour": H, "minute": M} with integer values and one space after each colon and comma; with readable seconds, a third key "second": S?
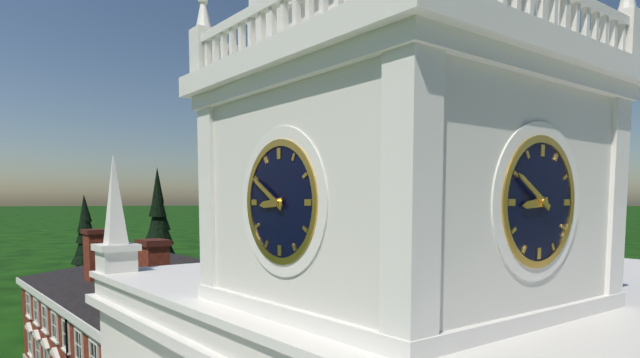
{"hour": 8, "minute": 50}
